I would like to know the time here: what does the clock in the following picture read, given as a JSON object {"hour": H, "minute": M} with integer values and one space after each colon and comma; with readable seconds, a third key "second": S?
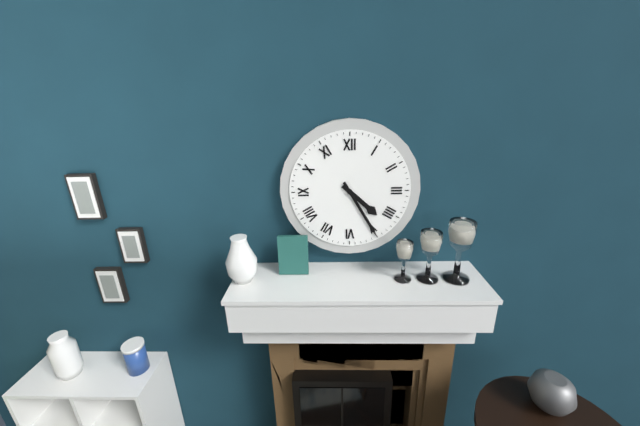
{"hour": 4, "minute": 25}
